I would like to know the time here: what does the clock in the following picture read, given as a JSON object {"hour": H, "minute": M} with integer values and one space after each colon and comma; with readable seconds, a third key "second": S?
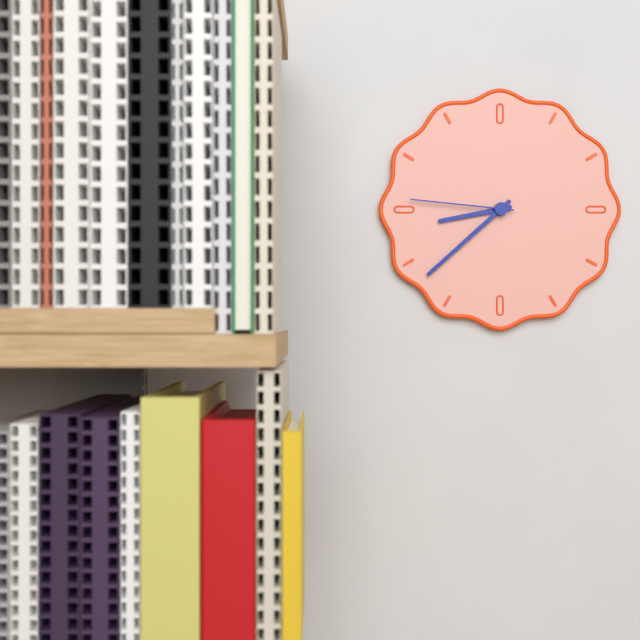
{"hour": 8, "minute": 38, "second": 46}
